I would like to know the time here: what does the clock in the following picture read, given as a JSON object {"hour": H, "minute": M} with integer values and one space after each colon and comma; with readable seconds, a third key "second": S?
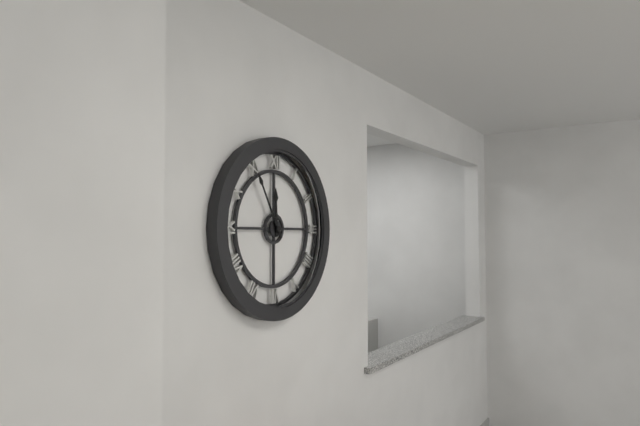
{"hour": 11, "minute": 55}
